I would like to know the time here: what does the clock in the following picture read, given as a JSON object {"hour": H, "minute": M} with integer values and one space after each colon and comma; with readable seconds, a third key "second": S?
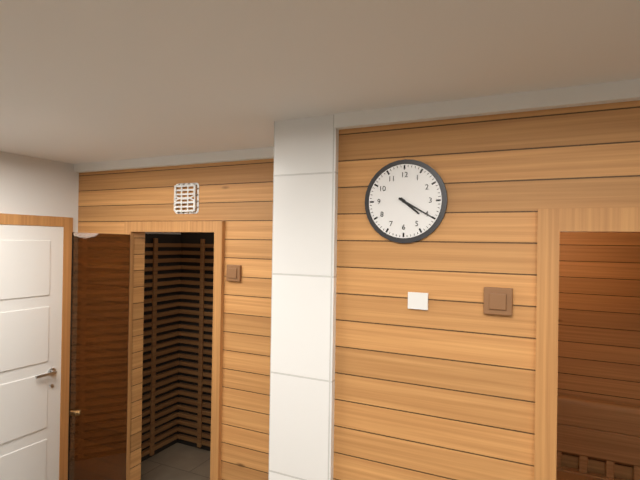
{"hour": 4, "minute": 20}
